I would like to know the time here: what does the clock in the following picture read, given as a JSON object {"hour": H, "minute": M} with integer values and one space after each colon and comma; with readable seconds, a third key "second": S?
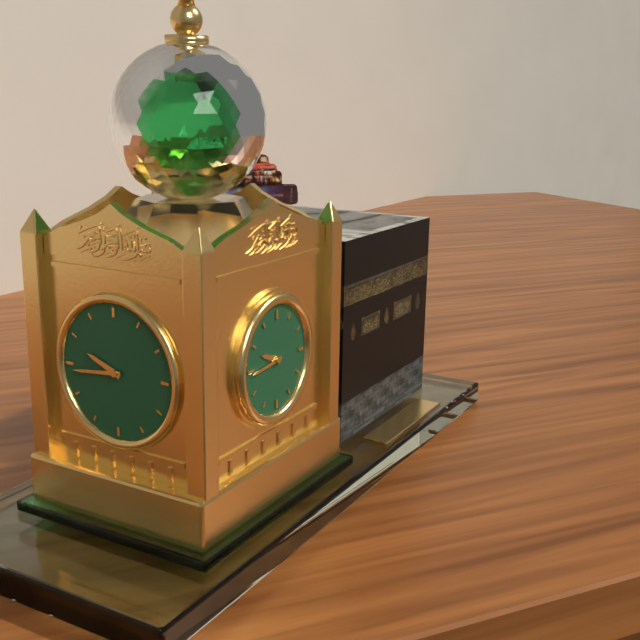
{"hour": 9, "minute": 44}
